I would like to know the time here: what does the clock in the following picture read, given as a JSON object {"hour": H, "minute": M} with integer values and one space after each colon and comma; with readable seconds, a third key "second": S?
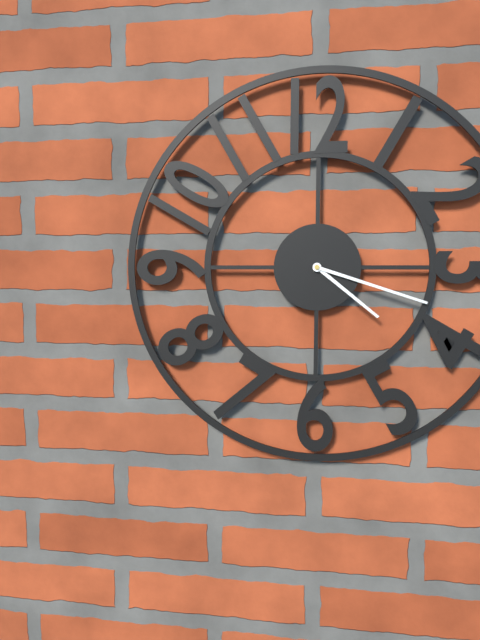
{"hour": 4, "minute": 18}
